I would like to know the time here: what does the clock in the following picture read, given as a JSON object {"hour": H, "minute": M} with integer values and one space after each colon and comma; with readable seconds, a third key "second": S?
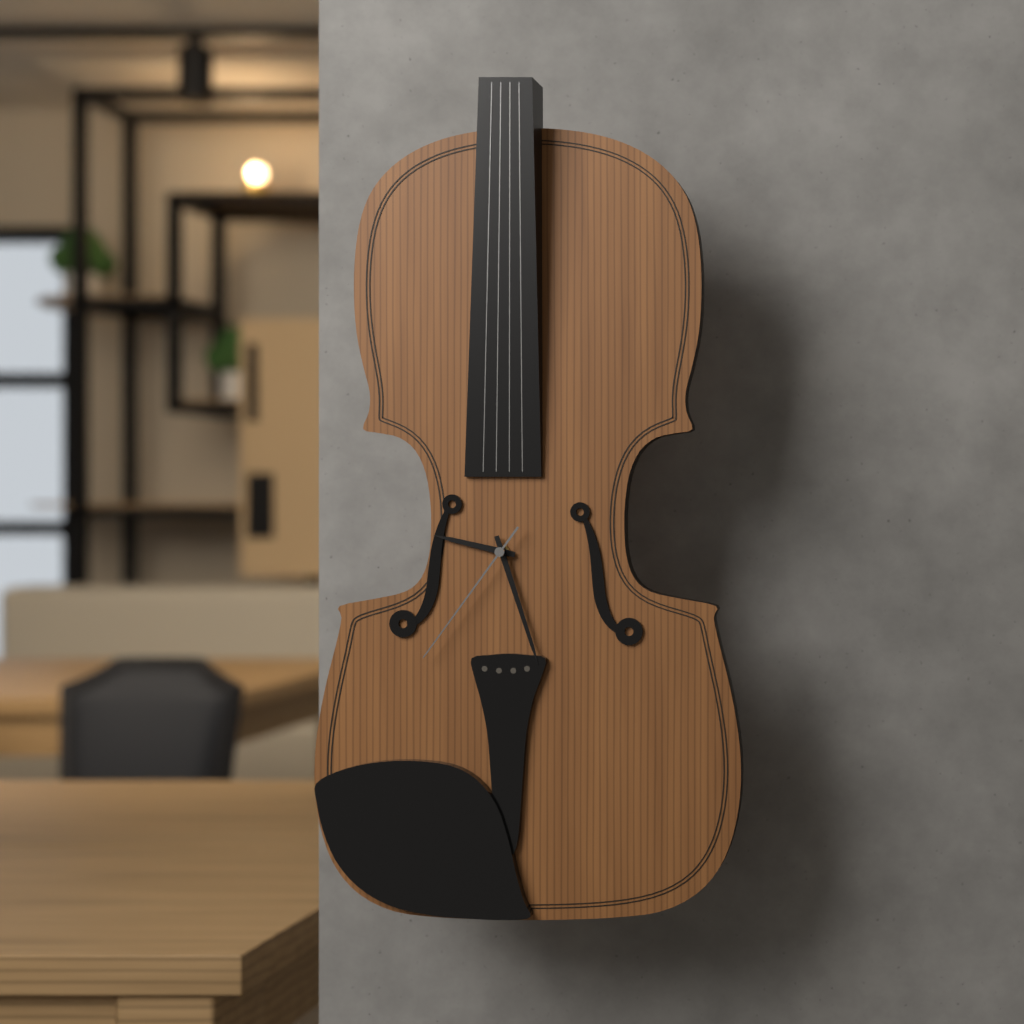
{"hour": 9, "minute": 27, "second": 36}
